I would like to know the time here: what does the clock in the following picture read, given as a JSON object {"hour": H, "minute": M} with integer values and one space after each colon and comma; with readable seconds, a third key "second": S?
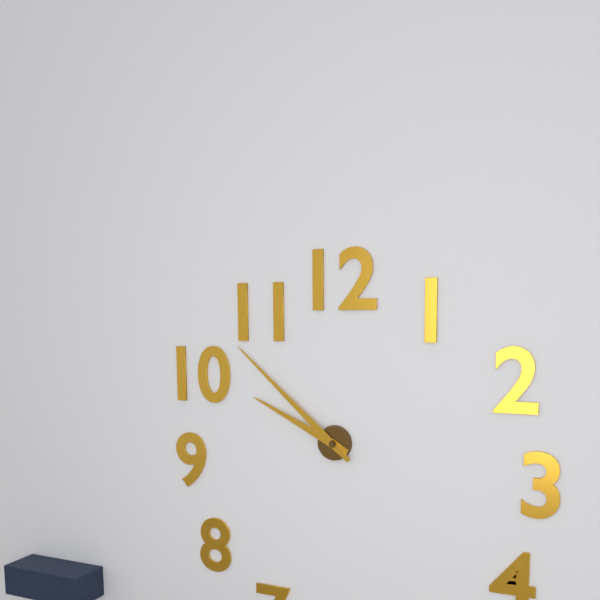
{"hour": 9, "minute": 52}
